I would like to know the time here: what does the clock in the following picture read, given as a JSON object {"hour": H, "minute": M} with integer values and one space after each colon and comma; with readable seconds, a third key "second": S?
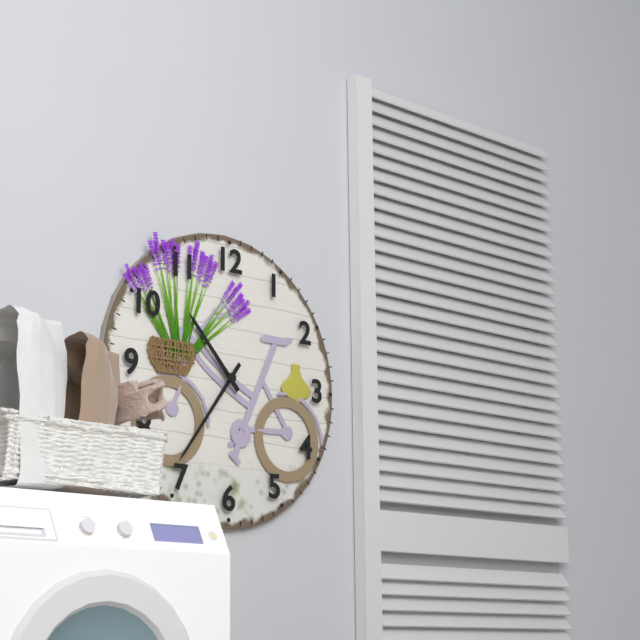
{"hour": 10, "minute": 36}
